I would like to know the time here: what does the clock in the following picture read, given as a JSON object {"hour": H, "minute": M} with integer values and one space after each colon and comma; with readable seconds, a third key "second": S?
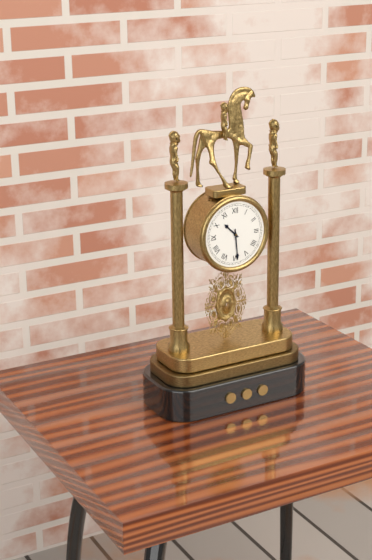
{"hour": 10, "minute": 29}
